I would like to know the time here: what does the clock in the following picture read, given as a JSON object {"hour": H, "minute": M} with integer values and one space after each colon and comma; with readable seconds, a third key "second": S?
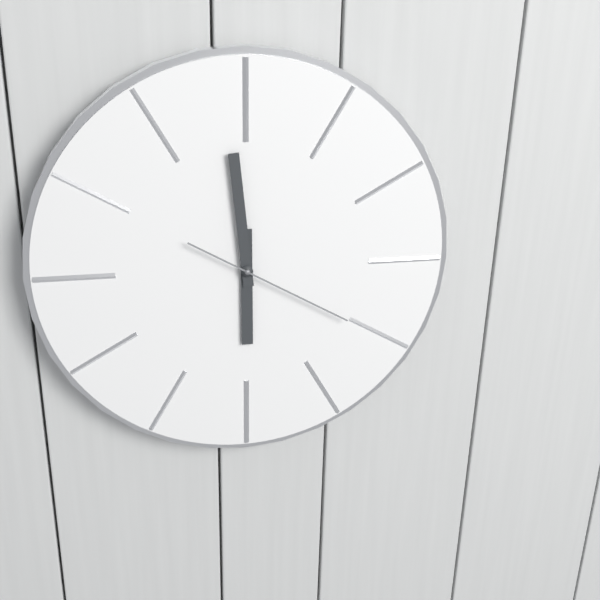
{"hour": 5, "minute": 59, "second": 20}
